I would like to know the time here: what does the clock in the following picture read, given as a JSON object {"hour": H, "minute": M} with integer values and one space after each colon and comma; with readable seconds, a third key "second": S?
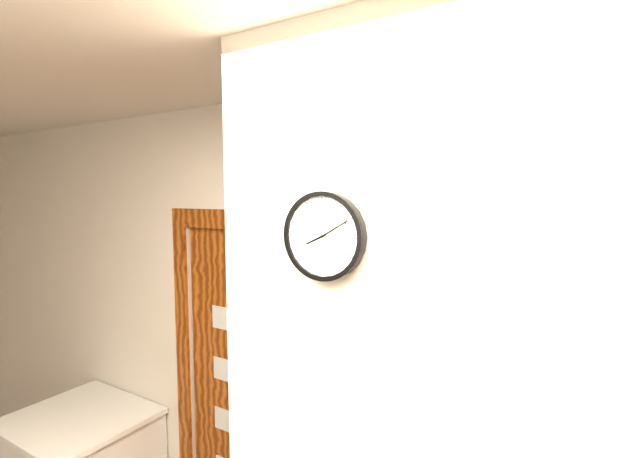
{"hour": 8, "minute": 10}
